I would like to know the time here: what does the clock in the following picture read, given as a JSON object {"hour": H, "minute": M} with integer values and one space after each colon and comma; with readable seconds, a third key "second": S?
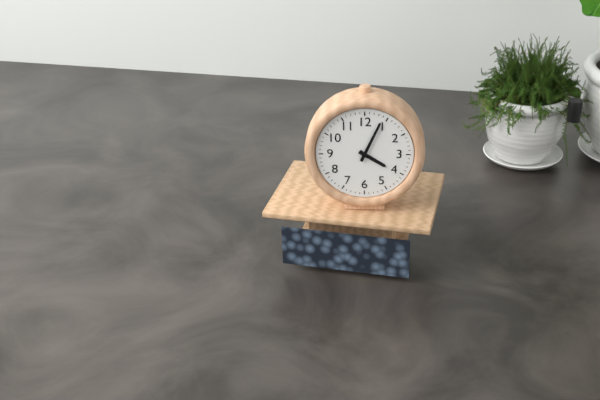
{"hour": 4, "minute": 4}
